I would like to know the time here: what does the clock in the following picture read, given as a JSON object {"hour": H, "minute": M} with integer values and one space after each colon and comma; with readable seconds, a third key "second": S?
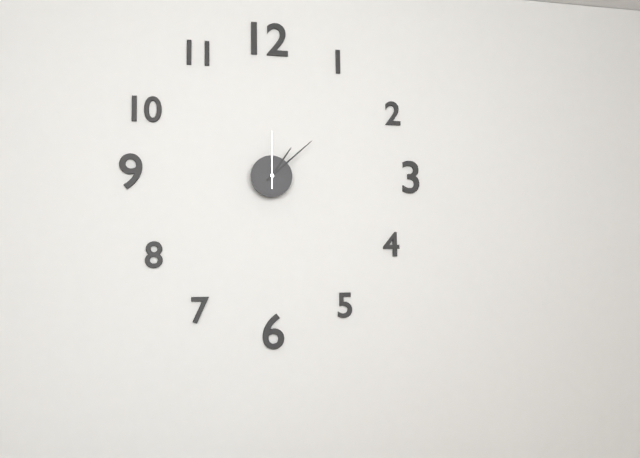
{"hour": 1, "minute": 8, "second": 0}
